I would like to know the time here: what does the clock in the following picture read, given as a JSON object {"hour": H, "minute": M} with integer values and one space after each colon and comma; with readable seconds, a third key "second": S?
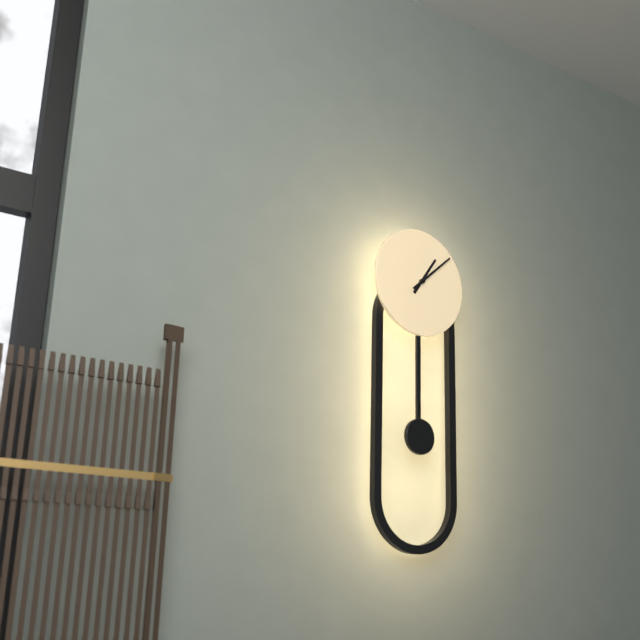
{"hour": 1, "minute": 8}
